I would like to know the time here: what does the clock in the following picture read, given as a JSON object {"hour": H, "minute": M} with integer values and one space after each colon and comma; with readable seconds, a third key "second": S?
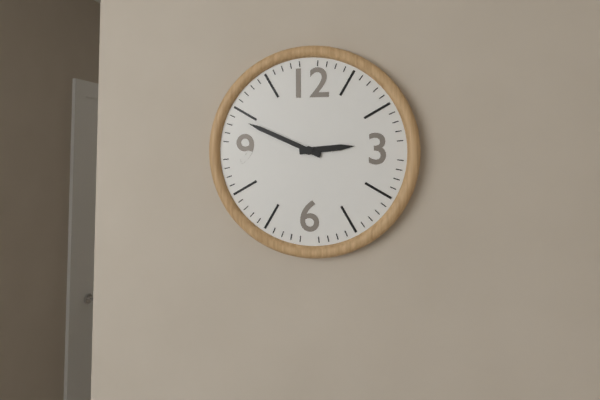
{"hour": 2, "minute": 49}
